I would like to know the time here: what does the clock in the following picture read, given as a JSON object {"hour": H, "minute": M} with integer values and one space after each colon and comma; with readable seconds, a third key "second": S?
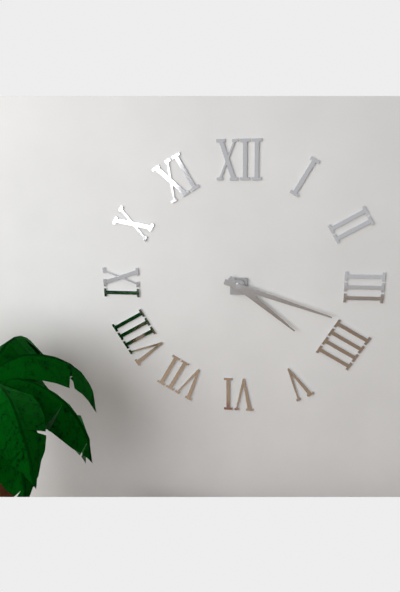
{"hour": 4, "minute": 18}
